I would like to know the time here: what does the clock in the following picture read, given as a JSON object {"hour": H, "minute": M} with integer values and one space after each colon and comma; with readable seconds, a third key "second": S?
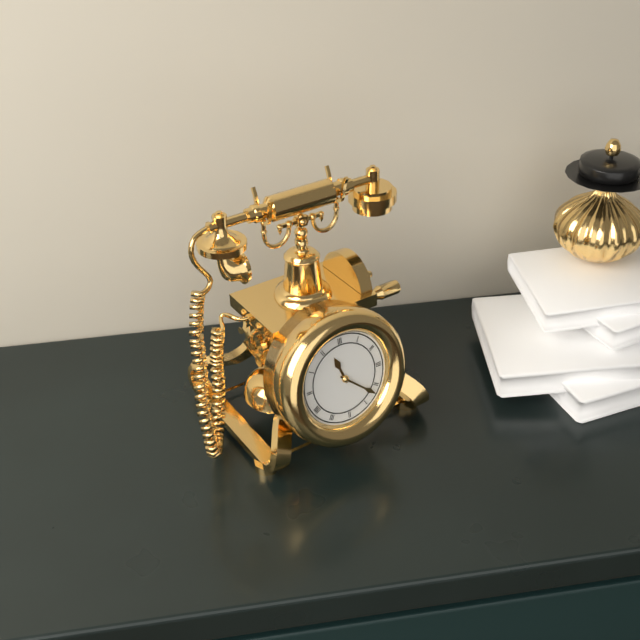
{"hour": 11, "minute": 22}
